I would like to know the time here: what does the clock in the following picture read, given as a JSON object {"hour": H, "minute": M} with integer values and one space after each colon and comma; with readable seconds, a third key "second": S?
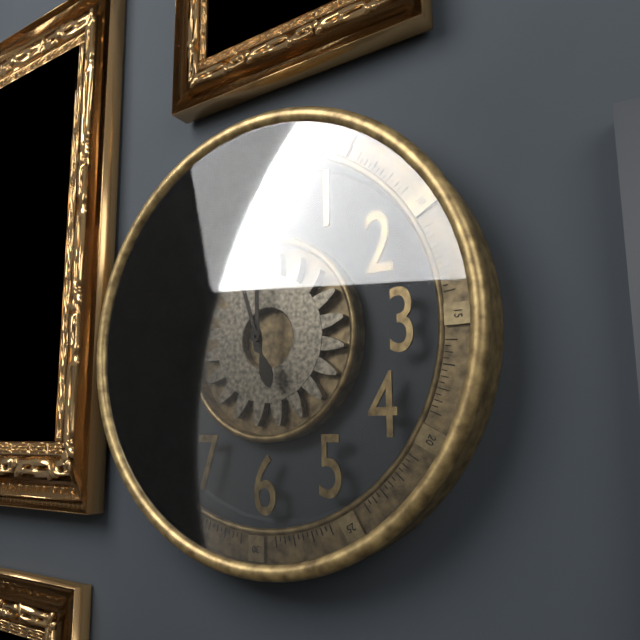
{"hour": 11, "minute": 57}
